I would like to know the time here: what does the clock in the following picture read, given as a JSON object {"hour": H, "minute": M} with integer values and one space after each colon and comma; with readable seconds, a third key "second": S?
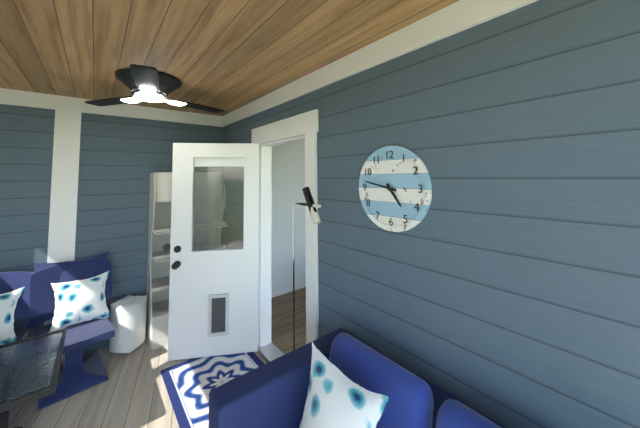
{"hour": 4, "minute": 47}
